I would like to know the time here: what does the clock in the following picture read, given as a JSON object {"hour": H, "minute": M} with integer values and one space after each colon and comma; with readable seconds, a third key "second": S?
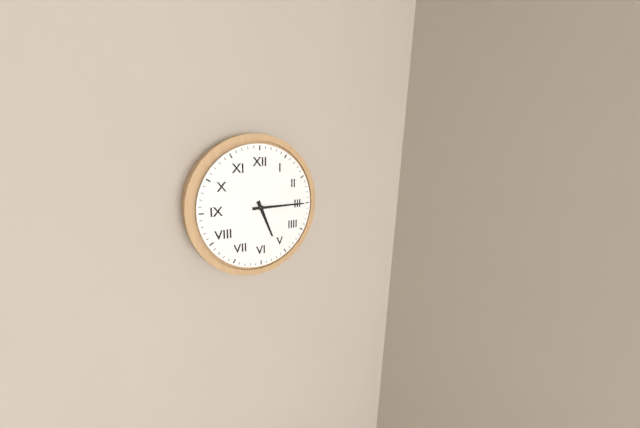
{"hour": 5, "minute": 15}
